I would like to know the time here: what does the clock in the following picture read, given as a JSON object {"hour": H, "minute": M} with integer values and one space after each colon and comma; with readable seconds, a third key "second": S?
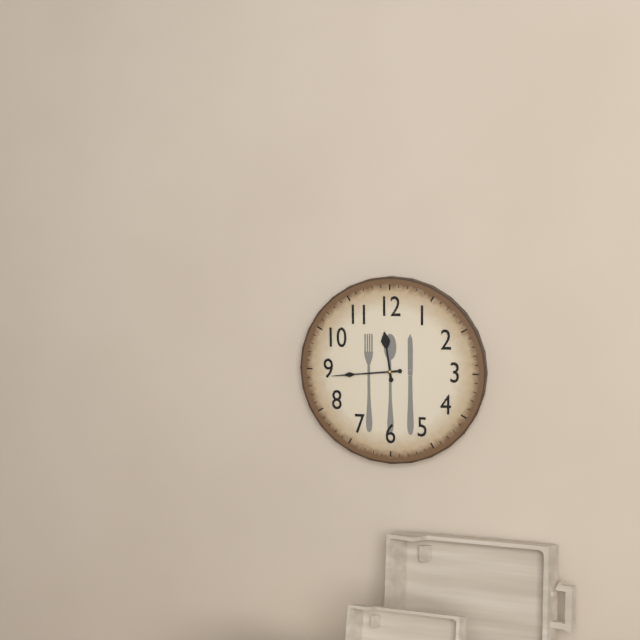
{"hour": 11, "minute": 44}
